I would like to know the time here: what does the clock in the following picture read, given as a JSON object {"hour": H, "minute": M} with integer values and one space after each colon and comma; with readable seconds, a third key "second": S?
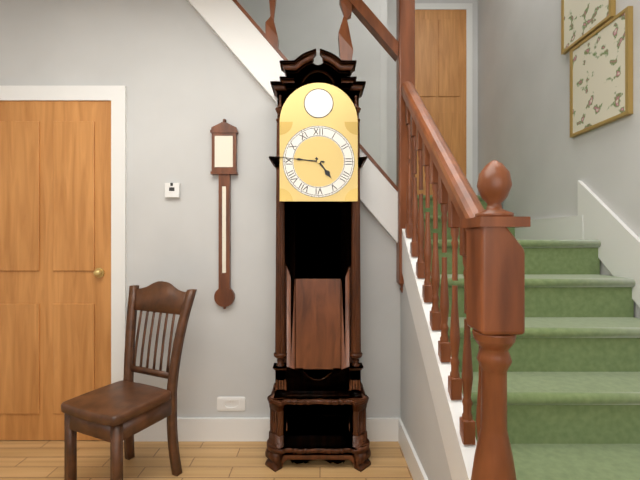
{"hour": 4, "minute": 46}
